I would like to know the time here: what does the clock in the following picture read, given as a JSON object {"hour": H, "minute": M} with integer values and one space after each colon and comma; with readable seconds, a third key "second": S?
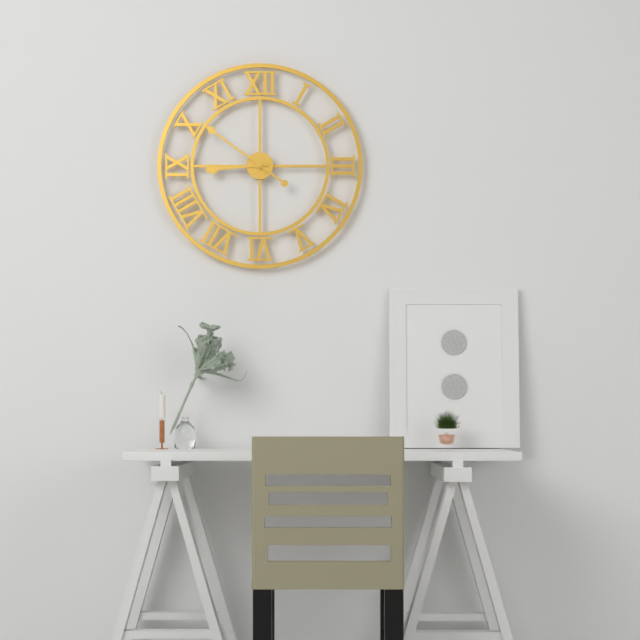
{"hour": 8, "minute": 51}
